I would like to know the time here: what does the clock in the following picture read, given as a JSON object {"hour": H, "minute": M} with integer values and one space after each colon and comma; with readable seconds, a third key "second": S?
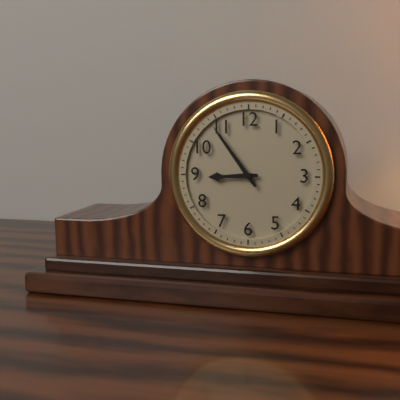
{"hour": 8, "minute": 54}
